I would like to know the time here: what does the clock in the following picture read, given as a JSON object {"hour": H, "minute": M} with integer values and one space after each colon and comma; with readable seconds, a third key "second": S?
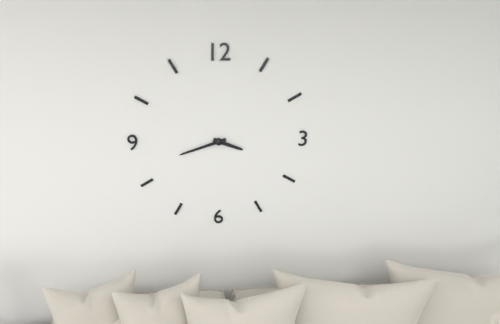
{"hour": 3, "minute": 42}
